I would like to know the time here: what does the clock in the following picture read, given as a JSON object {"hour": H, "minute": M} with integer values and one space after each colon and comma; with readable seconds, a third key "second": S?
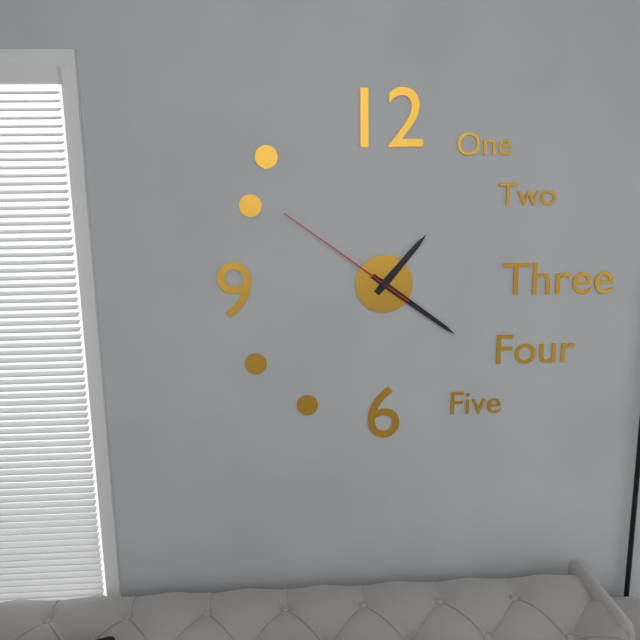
{"hour": 1, "minute": 21, "second": 51}
